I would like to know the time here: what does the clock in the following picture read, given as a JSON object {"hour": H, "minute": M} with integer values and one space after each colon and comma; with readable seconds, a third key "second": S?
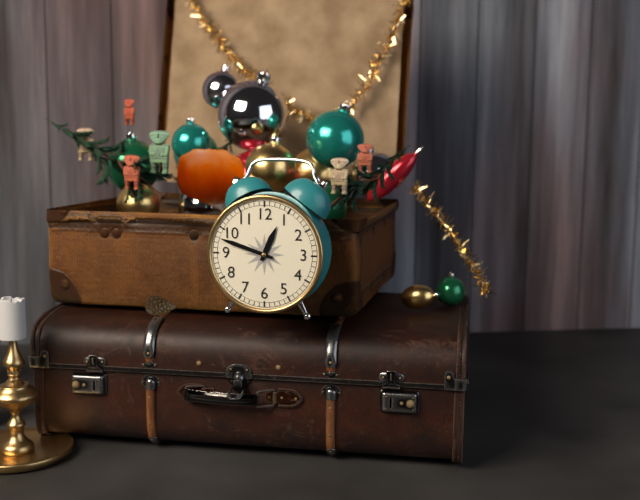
{"hour": 12, "minute": 48}
